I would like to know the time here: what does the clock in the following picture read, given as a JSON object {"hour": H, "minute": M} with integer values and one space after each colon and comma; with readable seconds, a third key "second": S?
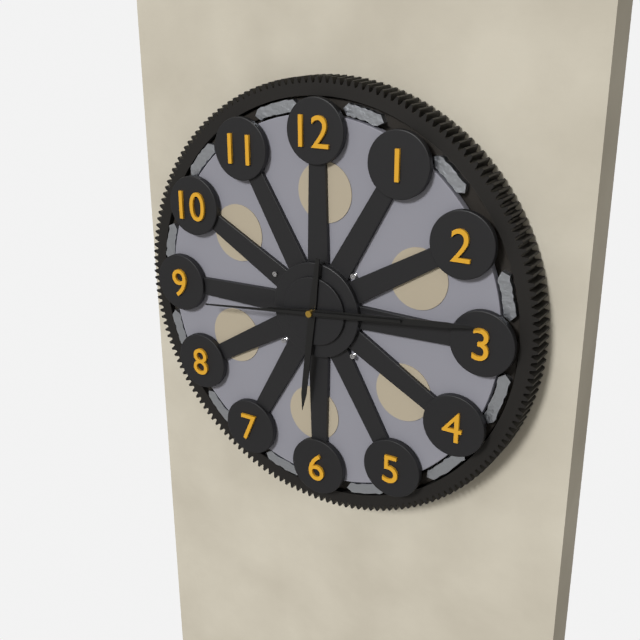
{"hour": 6, "minute": 14, "second": 44}
